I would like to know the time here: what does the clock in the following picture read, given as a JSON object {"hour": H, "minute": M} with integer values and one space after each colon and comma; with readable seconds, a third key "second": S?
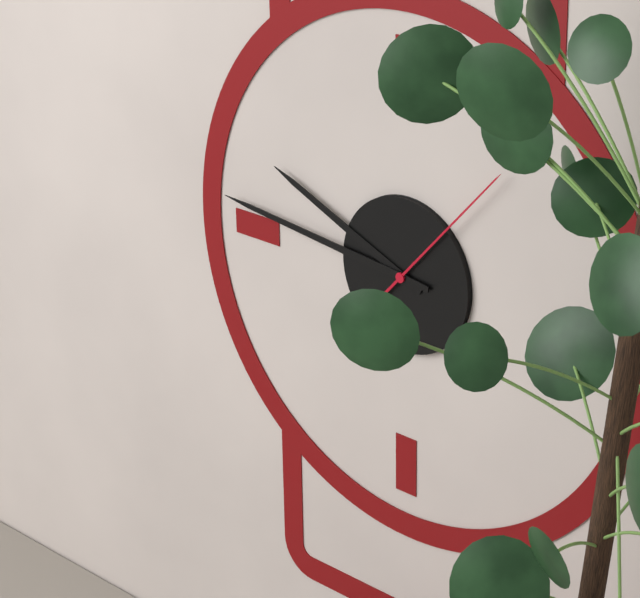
{"hour": 9, "minute": 46, "second": 7}
